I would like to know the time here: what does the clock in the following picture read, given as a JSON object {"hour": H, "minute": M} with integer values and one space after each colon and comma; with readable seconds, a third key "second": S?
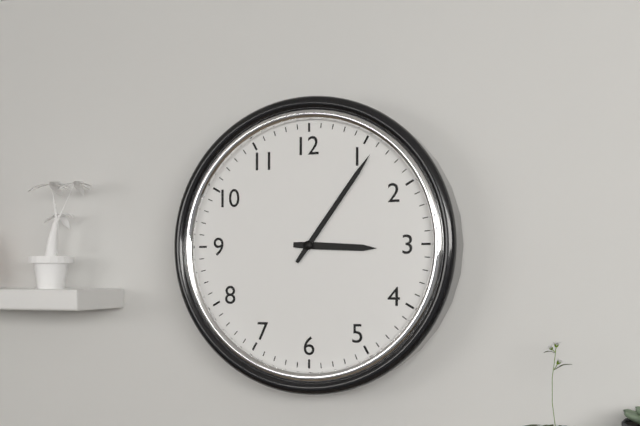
{"hour": 3, "minute": 6}
